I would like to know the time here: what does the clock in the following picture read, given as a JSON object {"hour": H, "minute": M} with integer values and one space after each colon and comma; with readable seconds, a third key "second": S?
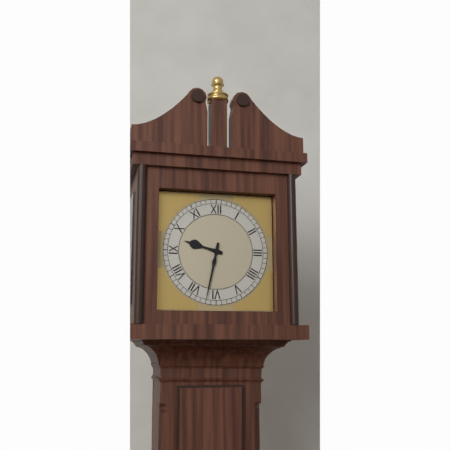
{"hour": 9, "minute": 32}
